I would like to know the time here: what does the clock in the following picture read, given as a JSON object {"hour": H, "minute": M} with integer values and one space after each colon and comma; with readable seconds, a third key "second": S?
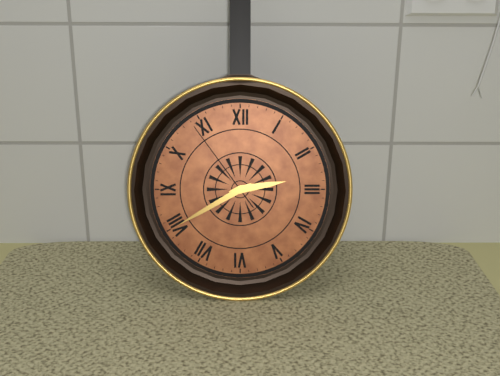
{"hour": 2, "minute": 40, "second": 54}
